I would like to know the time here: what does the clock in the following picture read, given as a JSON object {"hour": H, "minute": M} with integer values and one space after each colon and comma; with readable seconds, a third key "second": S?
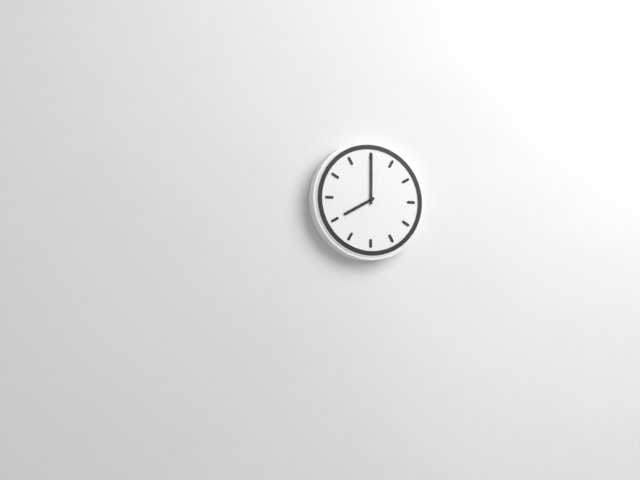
{"hour": 8, "minute": 0}
